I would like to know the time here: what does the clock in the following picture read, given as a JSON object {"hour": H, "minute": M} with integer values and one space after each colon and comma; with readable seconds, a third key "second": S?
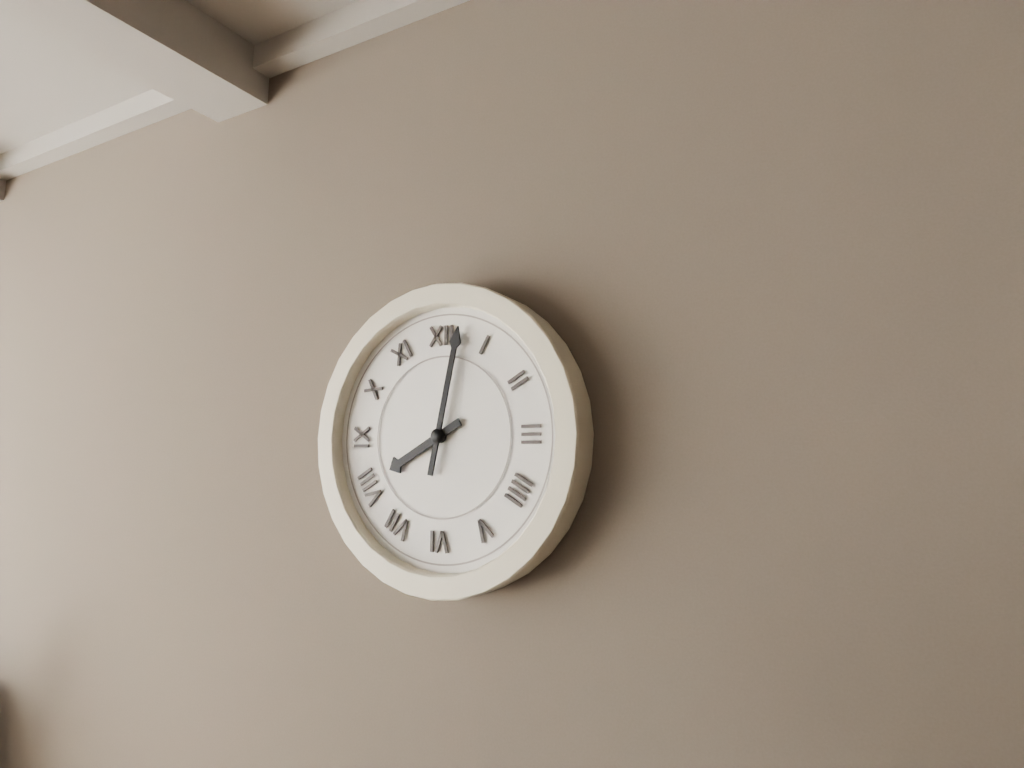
{"hour": 8, "minute": 2}
